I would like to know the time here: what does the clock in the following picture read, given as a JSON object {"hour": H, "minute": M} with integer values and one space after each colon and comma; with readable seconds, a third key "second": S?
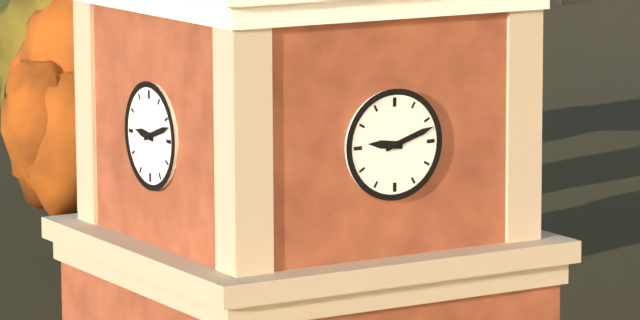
{"hour": 9, "minute": 12}
